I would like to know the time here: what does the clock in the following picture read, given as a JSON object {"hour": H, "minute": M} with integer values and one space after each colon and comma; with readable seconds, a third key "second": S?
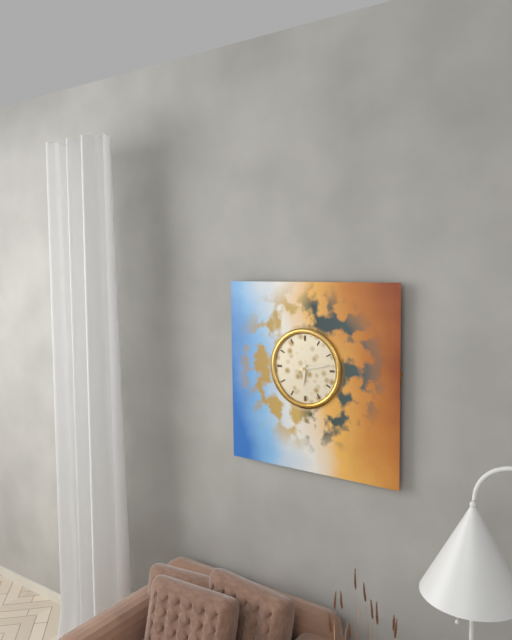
{"hour": 6, "minute": 13}
